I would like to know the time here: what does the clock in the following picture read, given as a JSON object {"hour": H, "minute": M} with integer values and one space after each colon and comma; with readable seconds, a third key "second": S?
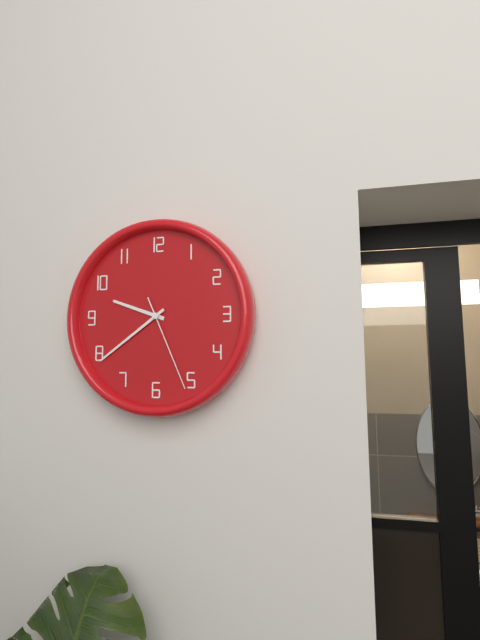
{"hour": 9, "minute": 39, "second": 26}
